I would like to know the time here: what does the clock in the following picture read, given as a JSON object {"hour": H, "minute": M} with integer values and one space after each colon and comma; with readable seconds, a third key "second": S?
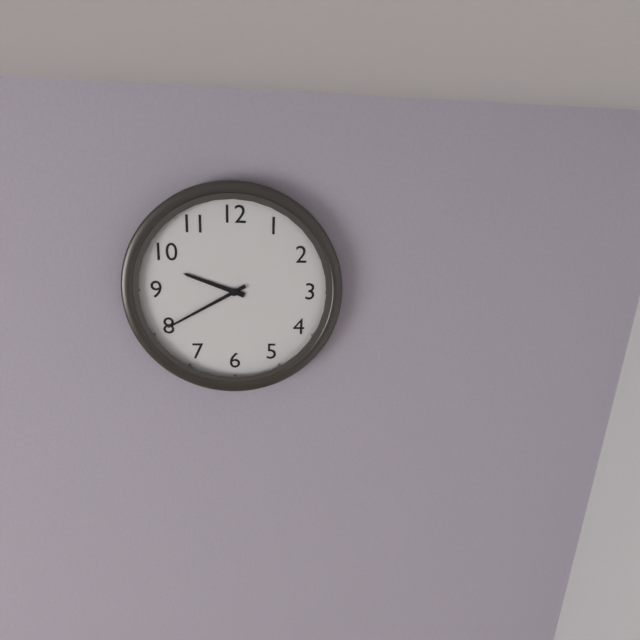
{"hour": 9, "minute": 40}
